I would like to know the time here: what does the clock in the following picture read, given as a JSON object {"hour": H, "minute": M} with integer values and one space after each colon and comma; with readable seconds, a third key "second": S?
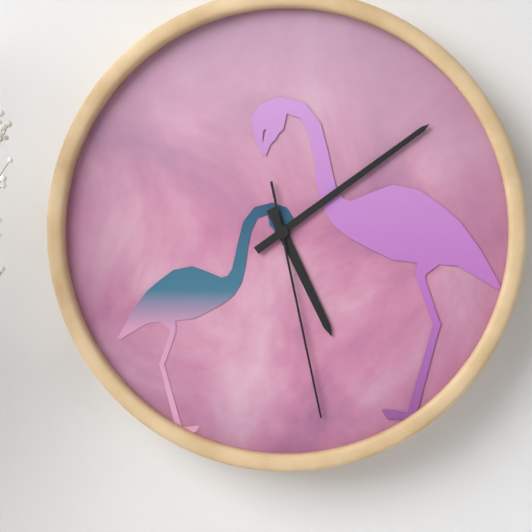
{"hour": 5, "minute": 9, "second": 28}
